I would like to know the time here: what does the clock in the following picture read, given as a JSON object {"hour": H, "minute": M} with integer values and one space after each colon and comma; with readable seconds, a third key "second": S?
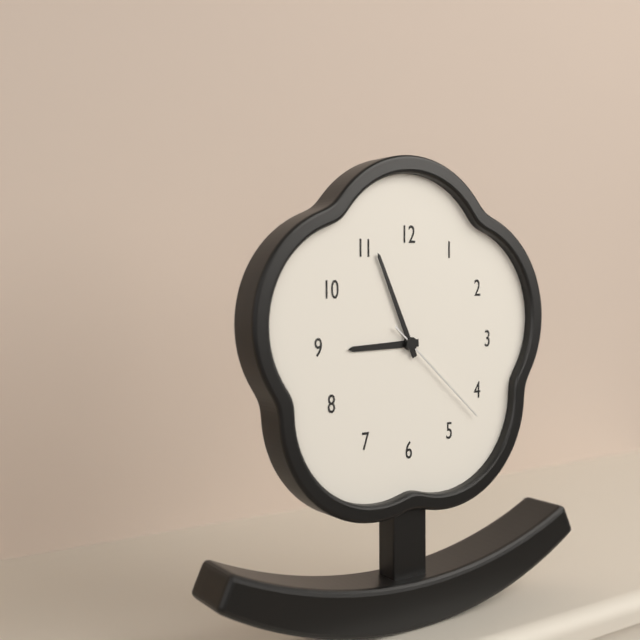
{"hour": 8, "minute": 56, "second": 22}
